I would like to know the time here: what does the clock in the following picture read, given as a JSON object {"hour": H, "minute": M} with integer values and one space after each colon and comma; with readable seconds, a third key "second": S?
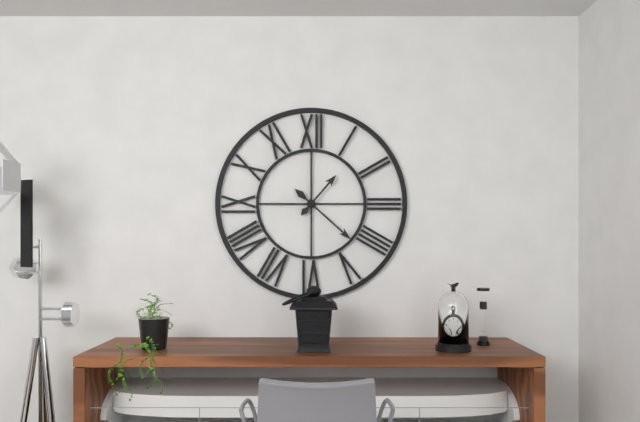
{"hour": 1, "minute": 22}
